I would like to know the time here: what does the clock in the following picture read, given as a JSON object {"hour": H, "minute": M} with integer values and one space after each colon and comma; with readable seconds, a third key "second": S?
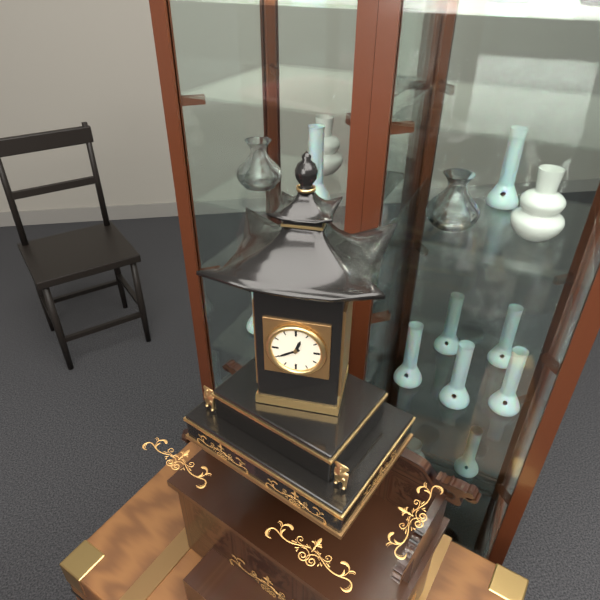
{"hour": 12, "minute": 40}
